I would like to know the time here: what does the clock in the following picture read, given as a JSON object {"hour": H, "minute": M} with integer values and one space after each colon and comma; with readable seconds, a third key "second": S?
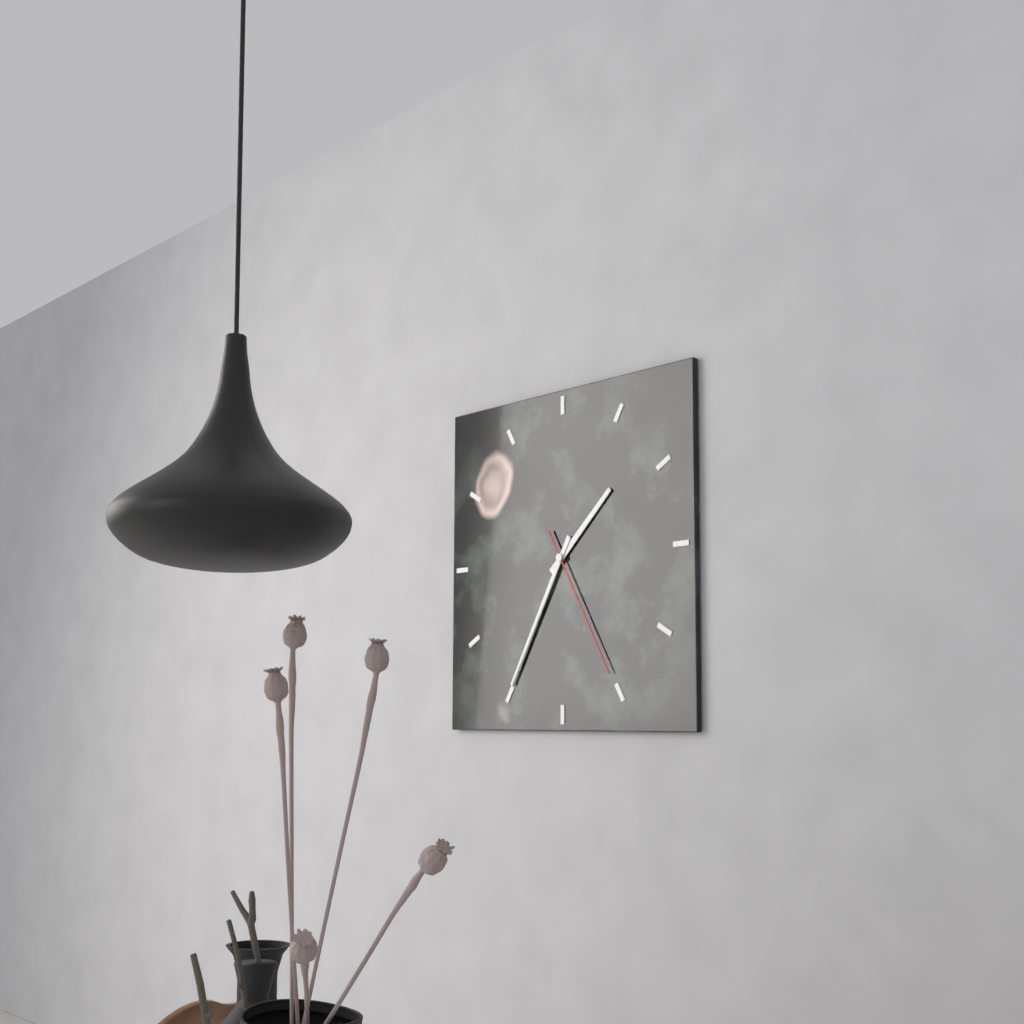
{"hour": 1, "minute": 35, "second": 25}
